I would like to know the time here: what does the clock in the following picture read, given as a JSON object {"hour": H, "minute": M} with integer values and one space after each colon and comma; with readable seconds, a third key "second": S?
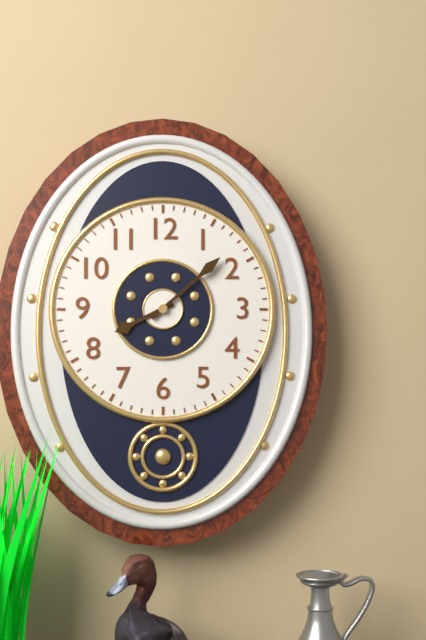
{"hour": 8, "minute": 8}
